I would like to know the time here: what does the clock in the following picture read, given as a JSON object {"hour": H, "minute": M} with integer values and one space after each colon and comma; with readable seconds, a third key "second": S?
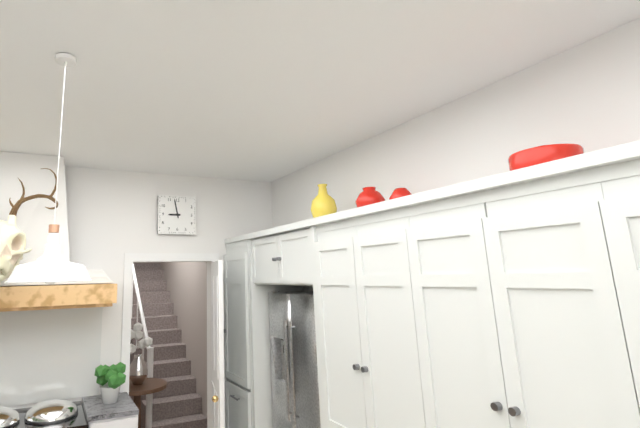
{"hour": 8, "minute": 58}
